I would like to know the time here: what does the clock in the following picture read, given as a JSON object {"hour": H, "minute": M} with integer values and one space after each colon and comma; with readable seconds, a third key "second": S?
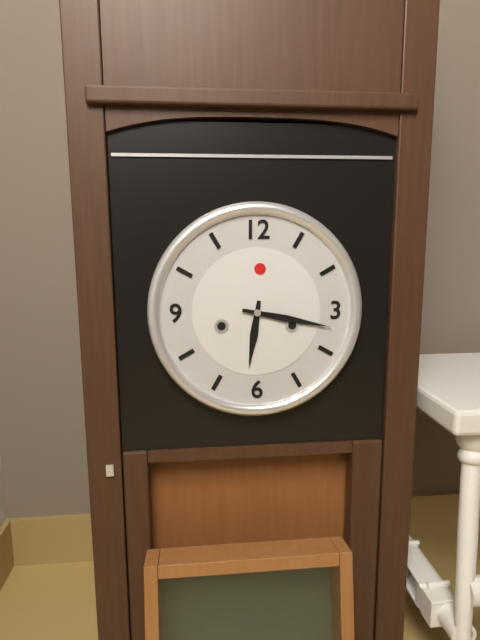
{"hour": 6, "minute": 17}
